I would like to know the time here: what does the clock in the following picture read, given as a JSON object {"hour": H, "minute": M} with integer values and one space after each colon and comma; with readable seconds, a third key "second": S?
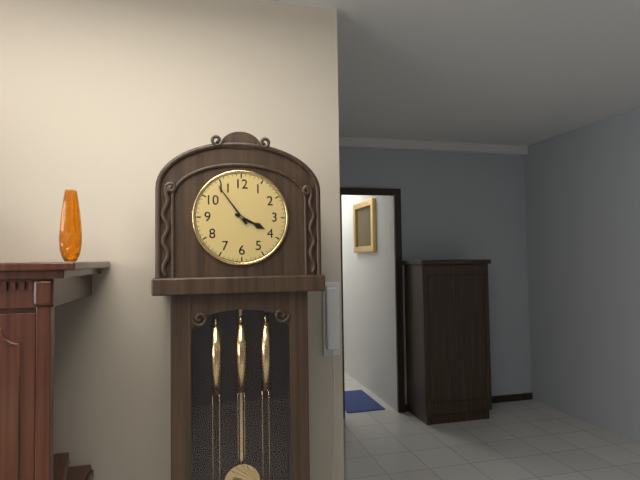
{"hour": 3, "minute": 54}
